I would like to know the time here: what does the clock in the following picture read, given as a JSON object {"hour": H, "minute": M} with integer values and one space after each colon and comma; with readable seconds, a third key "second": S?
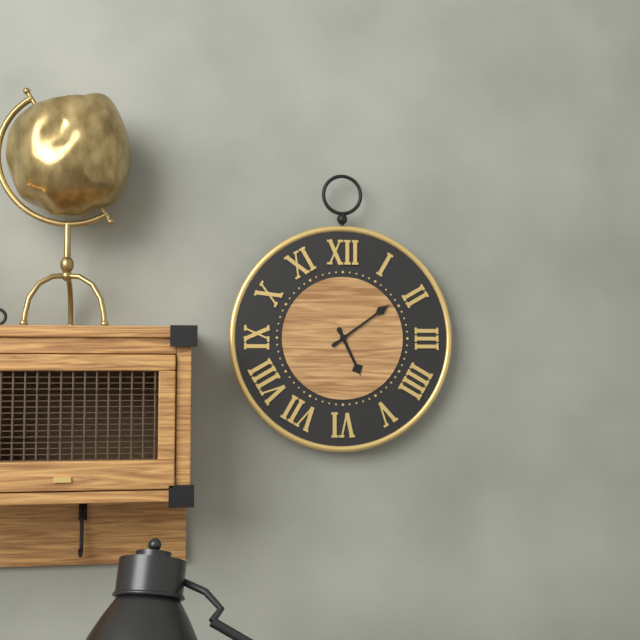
{"hour": 5, "minute": 9}
